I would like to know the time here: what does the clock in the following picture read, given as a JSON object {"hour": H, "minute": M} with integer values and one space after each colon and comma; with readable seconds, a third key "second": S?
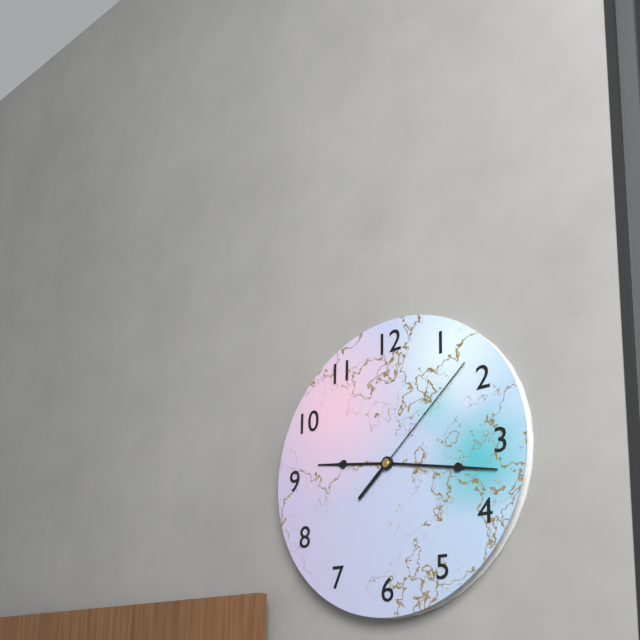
{"hour": 9, "minute": 17, "second": 8}
